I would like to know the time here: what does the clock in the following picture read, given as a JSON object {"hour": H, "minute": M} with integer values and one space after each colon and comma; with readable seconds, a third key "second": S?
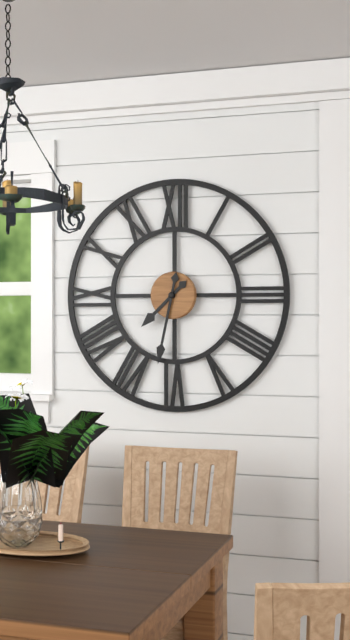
{"hour": 7, "minute": 32}
